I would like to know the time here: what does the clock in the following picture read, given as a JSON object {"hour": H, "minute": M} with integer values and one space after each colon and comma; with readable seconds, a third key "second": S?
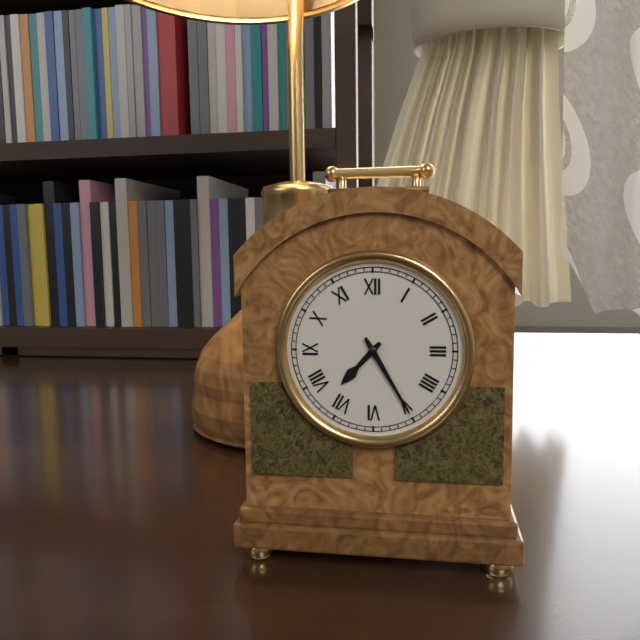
{"hour": 7, "minute": 25}
